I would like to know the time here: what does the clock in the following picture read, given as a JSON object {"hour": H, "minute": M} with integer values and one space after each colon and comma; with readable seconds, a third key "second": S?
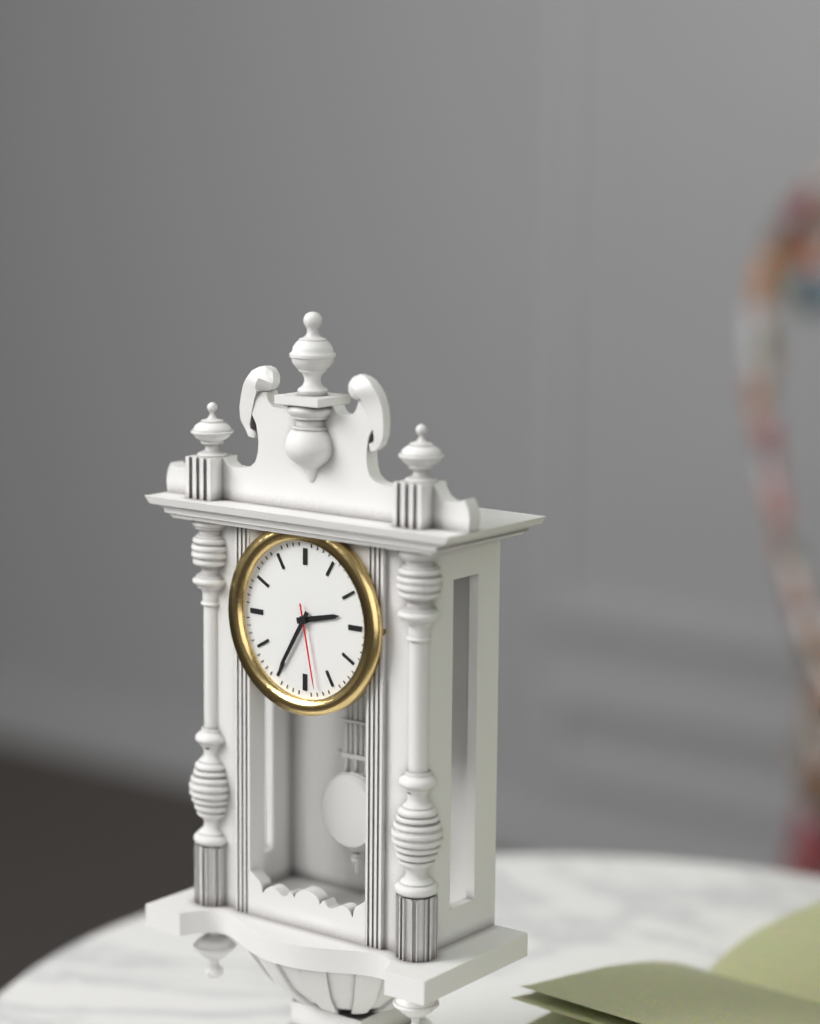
{"hour": 2, "minute": 35, "second": 28}
